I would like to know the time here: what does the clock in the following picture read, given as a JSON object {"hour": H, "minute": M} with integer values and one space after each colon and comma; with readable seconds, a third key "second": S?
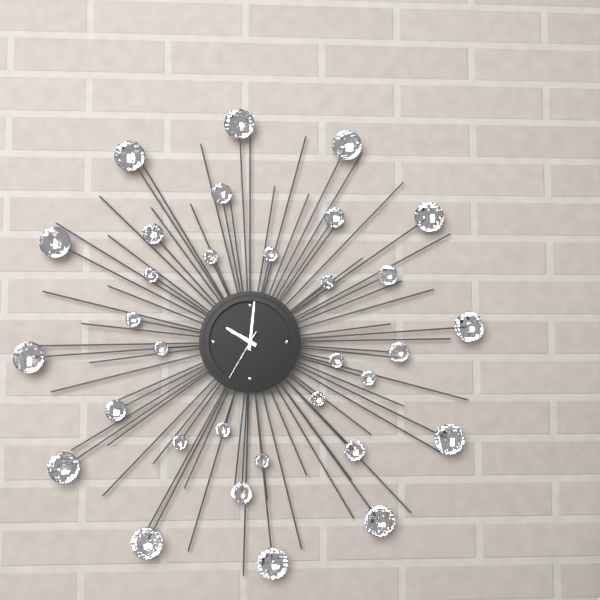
{"hour": 10, "minute": 1, "second": 35}
